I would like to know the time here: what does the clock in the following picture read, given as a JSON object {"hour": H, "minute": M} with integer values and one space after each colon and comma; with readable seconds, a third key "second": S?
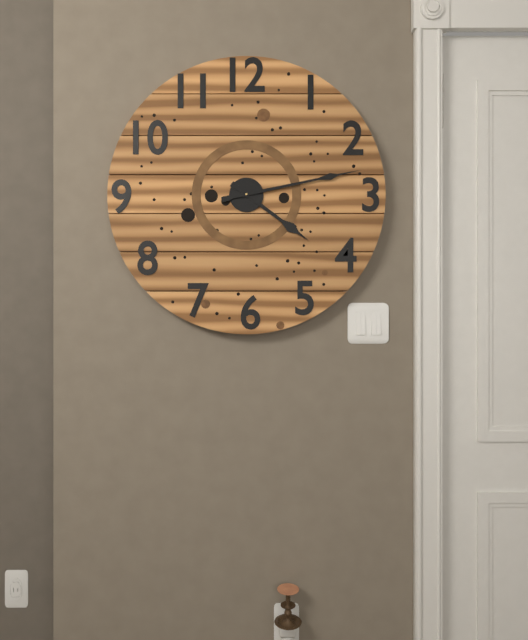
{"hour": 4, "minute": 13}
